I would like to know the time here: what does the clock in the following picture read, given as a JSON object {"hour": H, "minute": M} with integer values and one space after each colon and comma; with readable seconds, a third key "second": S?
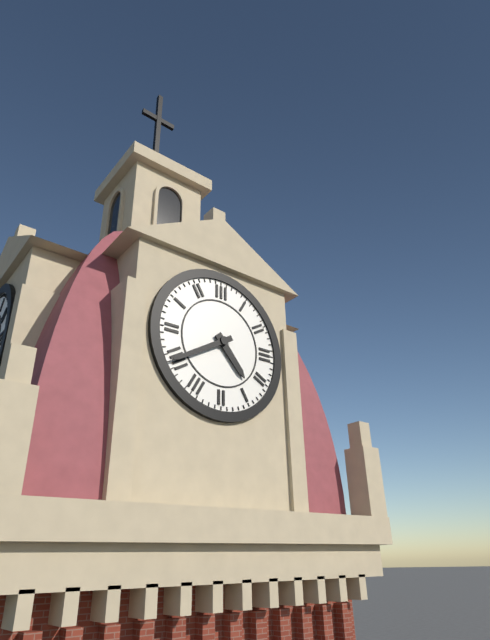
{"hour": 4, "minute": 40}
